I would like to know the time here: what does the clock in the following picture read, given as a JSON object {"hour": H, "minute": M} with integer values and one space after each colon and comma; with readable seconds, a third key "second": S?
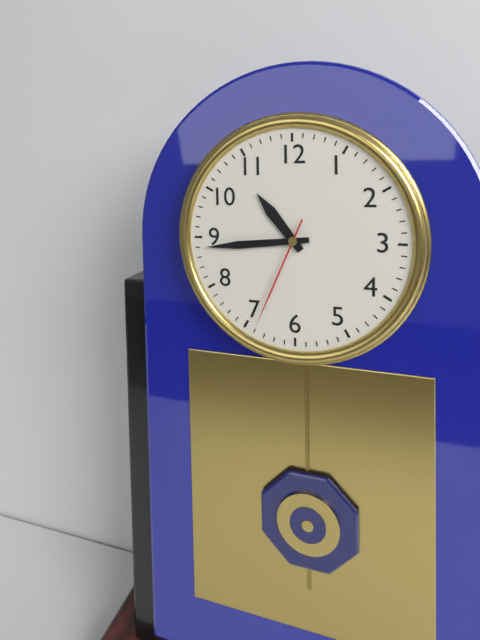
{"hour": 10, "minute": 44, "second": 34}
